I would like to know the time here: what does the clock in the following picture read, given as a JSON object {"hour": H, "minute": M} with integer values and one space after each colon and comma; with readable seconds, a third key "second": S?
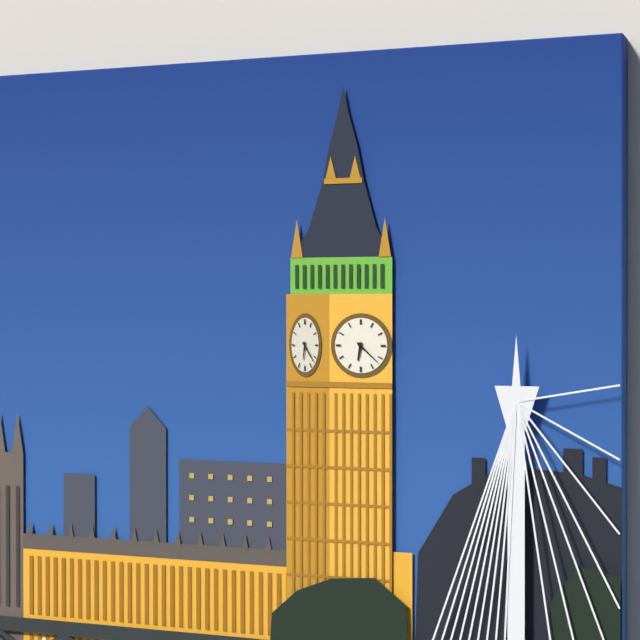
{"hour": 6, "minute": 22}
